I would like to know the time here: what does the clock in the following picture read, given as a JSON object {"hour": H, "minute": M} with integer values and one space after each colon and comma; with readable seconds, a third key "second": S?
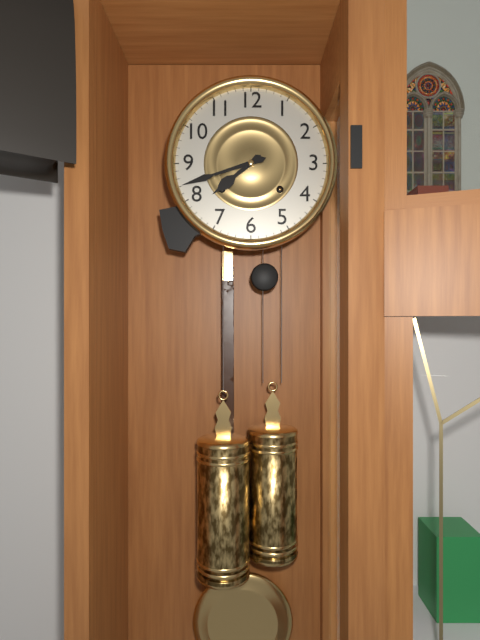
{"hour": 7, "minute": 42}
